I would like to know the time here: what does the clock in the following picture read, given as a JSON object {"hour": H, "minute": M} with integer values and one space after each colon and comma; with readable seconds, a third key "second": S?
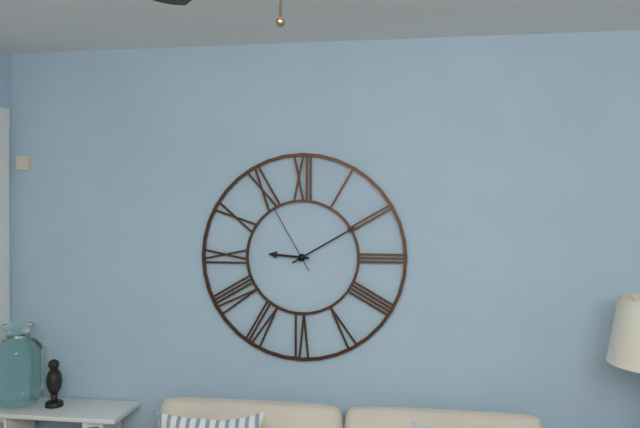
{"hour": 9, "minute": 10, "second": 55}
